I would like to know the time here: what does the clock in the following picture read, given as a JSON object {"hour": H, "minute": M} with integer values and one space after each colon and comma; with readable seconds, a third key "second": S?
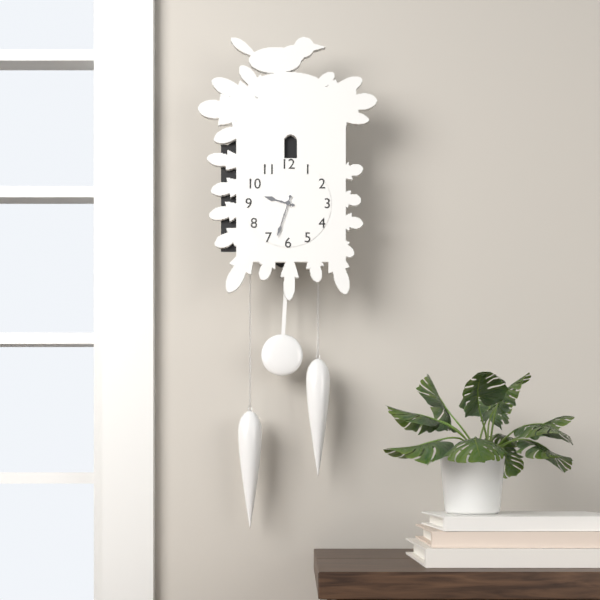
{"hour": 9, "minute": 33}
